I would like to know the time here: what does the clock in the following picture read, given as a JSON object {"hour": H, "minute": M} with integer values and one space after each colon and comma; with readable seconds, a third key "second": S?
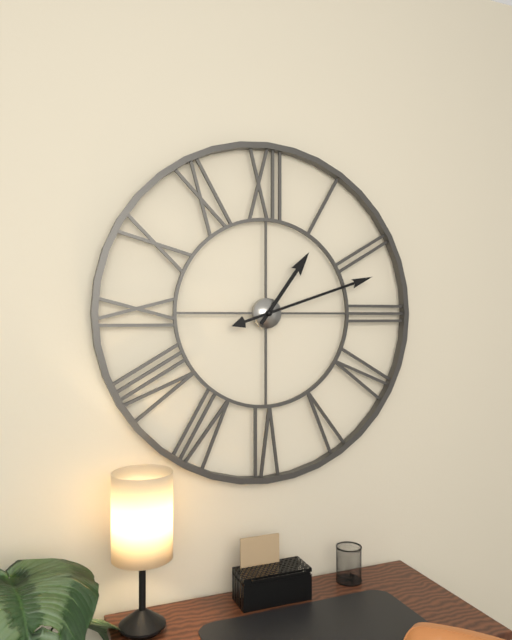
{"hour": 1, "minute": 12}
